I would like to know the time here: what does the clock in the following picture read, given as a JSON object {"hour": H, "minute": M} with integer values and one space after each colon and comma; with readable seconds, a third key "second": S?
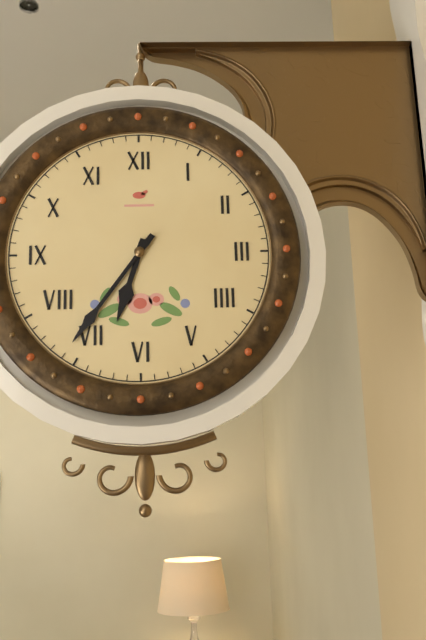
{"hour": 6, "minute": 36}
